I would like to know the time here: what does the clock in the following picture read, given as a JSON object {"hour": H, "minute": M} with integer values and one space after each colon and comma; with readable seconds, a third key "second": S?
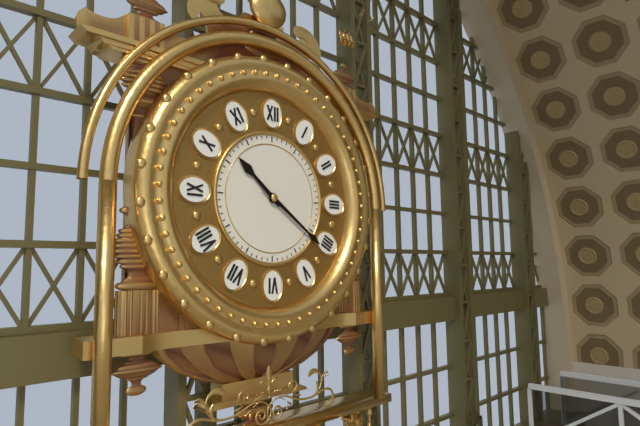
{"hour": 10, "minute": 21}
